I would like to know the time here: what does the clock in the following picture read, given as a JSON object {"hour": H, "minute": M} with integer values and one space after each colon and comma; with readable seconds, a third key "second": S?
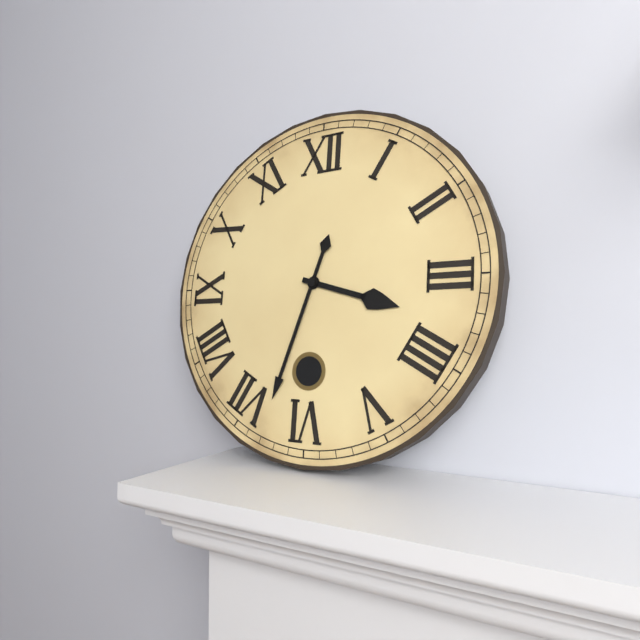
{"hour": 3, "minute": 33}
